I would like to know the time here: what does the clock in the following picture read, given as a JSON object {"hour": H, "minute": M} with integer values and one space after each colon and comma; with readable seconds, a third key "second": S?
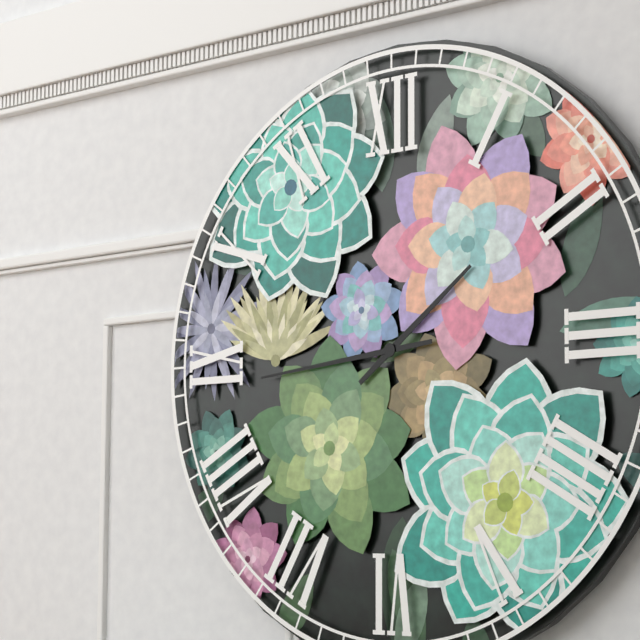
{"hour": 1, "minute": 44}
